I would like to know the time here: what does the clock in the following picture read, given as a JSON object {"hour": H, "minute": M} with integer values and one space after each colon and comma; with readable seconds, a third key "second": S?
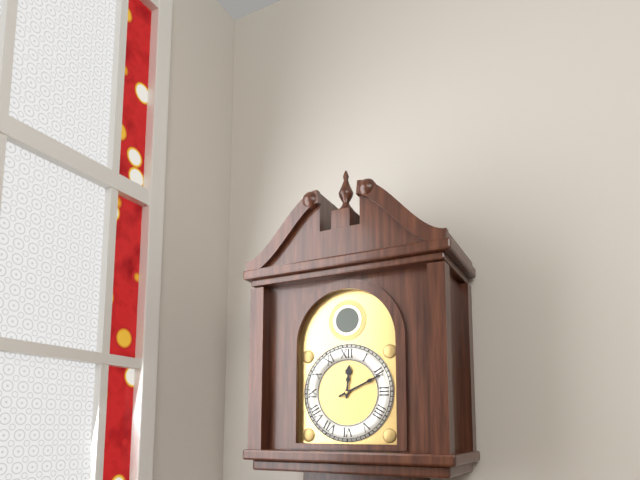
{"hour": 12, "minute": 11}
